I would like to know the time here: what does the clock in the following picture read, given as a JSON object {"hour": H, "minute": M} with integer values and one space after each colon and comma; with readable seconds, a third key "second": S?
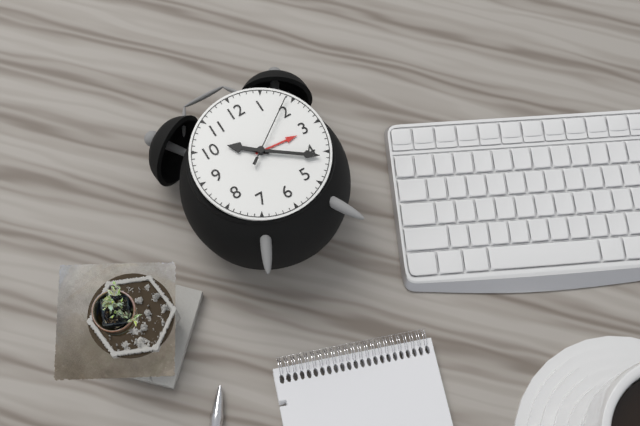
{"hour": 10, "minute": 21, "second": 9}
